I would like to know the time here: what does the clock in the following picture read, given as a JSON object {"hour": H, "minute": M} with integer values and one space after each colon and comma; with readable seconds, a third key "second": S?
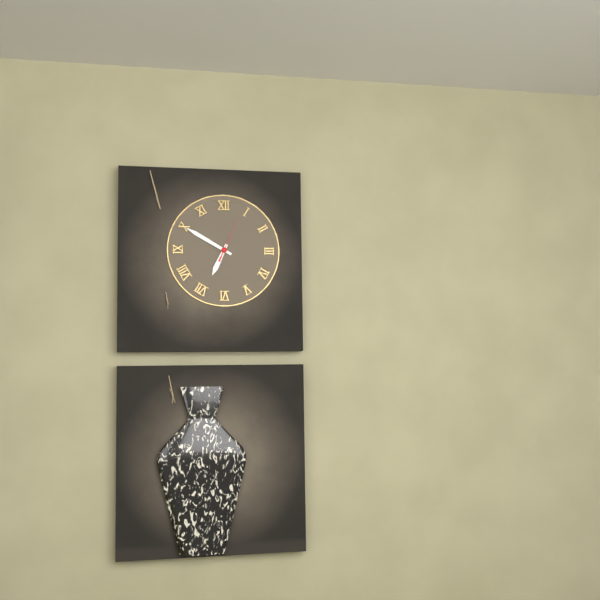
{"hour": 6, "minute": 50}
